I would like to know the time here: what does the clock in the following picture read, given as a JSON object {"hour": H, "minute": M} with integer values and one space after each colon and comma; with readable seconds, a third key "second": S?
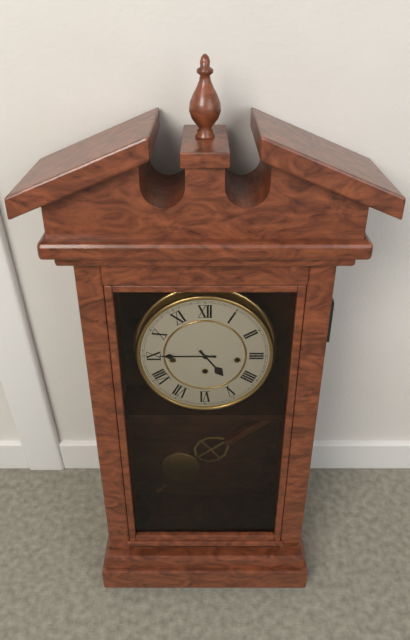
{"hour": 4, "minute": 45}
